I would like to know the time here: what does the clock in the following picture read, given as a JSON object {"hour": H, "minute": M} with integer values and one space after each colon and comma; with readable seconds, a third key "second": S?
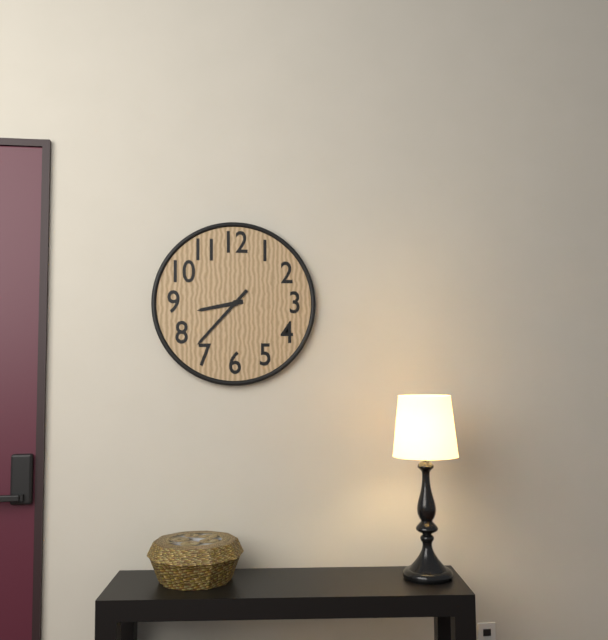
{"hour": 8, "minute": 37}
